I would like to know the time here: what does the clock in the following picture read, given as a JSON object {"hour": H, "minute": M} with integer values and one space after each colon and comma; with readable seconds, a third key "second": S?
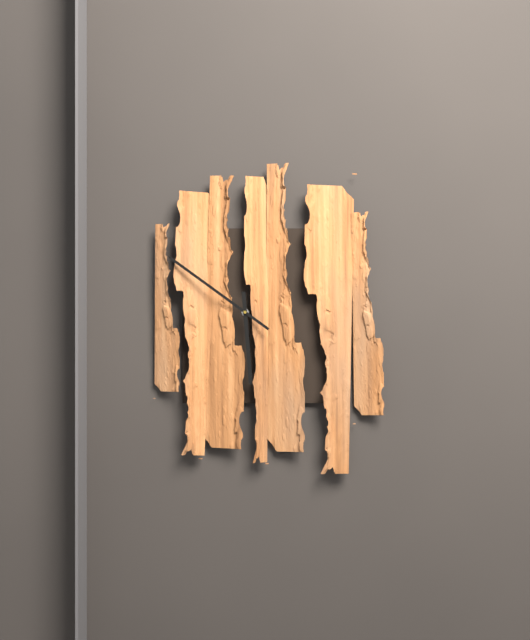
{"hour": 5, "minute": 51}
